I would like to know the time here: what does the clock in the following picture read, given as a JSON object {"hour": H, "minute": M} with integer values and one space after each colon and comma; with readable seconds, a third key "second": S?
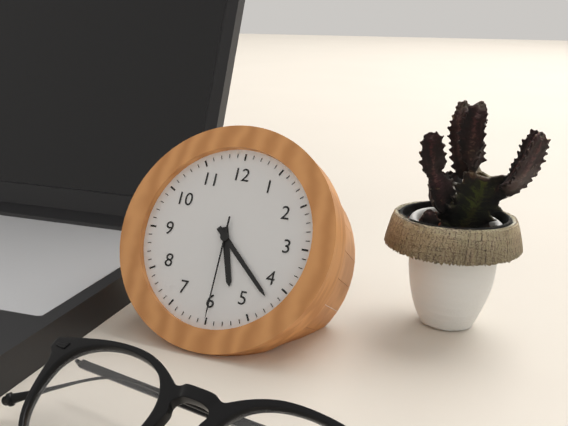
{"hour": 5, "minute": 22, "second": 30}
